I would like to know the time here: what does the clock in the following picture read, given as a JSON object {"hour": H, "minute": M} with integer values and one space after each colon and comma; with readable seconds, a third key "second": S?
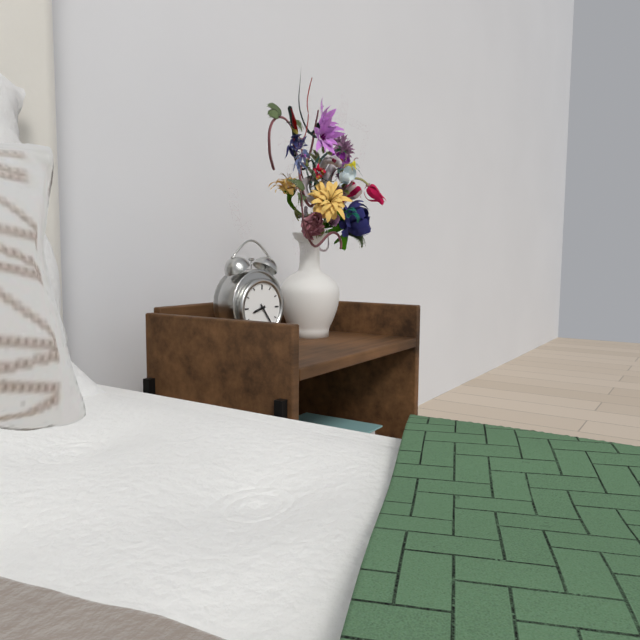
{"hour": 8, "minute": 24}
